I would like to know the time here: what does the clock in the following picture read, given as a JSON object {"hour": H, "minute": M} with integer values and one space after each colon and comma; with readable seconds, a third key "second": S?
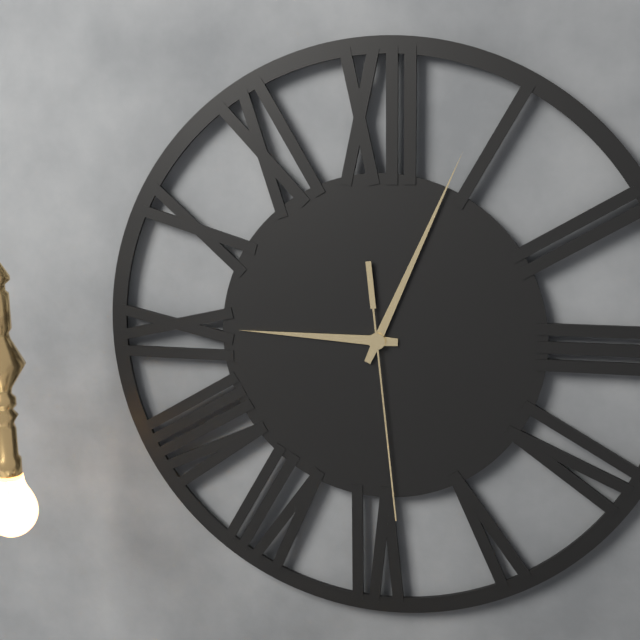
{"hour": 9, "minute": 4, "second": 29}
